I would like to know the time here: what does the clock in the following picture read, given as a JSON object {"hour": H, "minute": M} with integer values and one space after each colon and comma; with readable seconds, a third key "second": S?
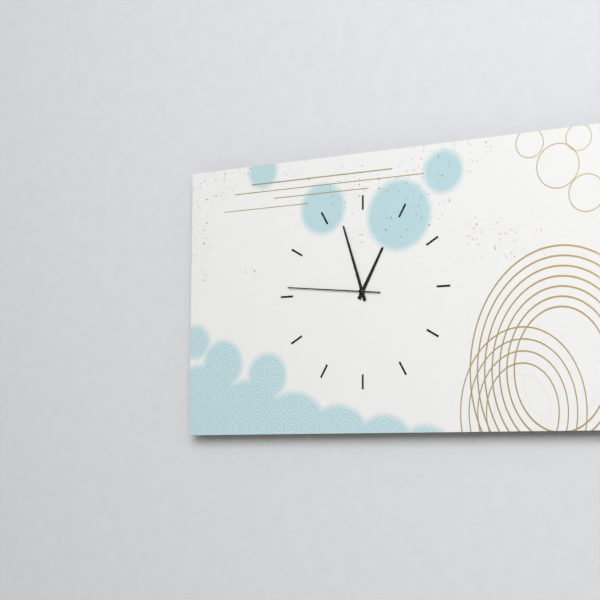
{"hour": 12, "minute": 57, "second": 46}
